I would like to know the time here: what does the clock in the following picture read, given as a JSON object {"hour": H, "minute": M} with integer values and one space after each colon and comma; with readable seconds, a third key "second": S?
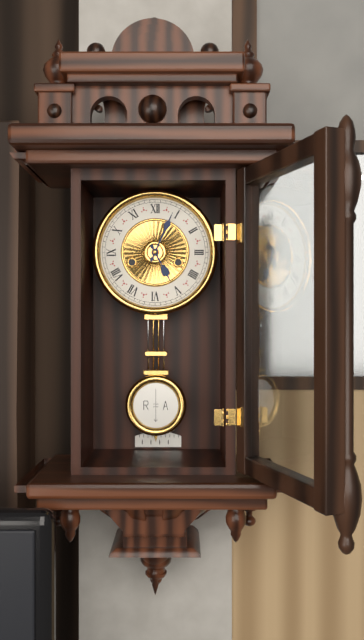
{"hour": 5, "minute": 4}
